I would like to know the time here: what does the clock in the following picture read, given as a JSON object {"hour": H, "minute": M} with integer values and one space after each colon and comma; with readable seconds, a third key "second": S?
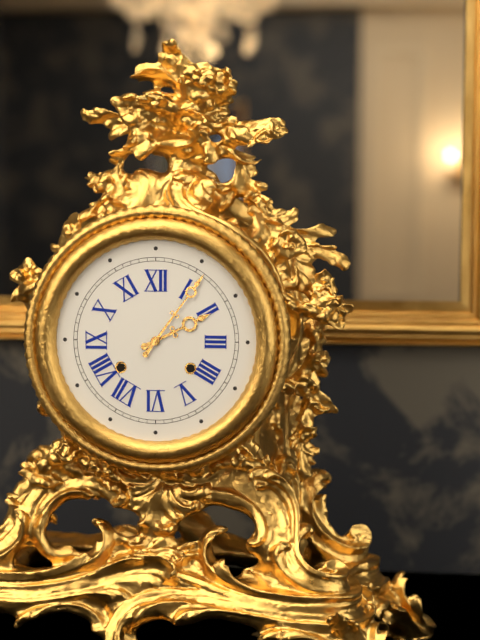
{"hour": 2, "minute": 6}
